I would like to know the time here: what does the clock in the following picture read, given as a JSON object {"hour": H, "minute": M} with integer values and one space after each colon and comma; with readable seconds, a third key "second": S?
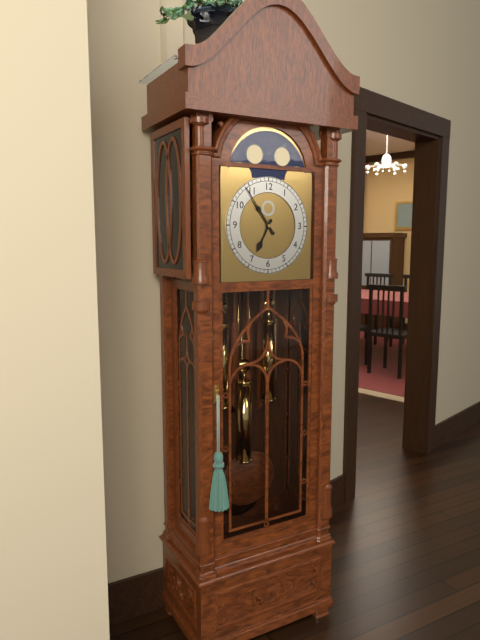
{"hour": 6, "minute": 54}
